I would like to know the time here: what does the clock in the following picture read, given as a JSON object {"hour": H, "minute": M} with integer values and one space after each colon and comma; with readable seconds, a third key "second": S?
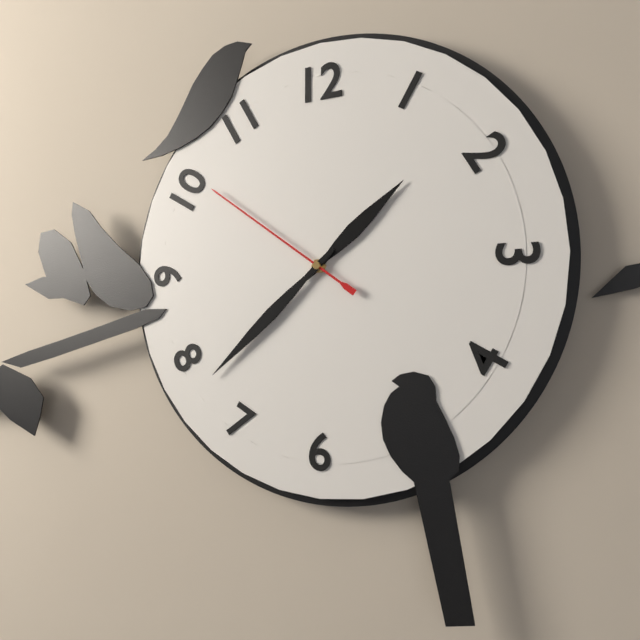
{"hour": 1, "minute": 38, "second": 51}
